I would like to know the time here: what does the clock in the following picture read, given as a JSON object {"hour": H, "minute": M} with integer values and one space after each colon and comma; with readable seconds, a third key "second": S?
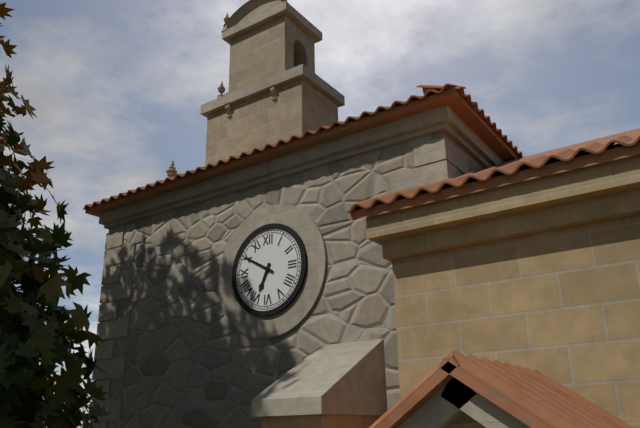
{"hour": 6, "minute": 50}
